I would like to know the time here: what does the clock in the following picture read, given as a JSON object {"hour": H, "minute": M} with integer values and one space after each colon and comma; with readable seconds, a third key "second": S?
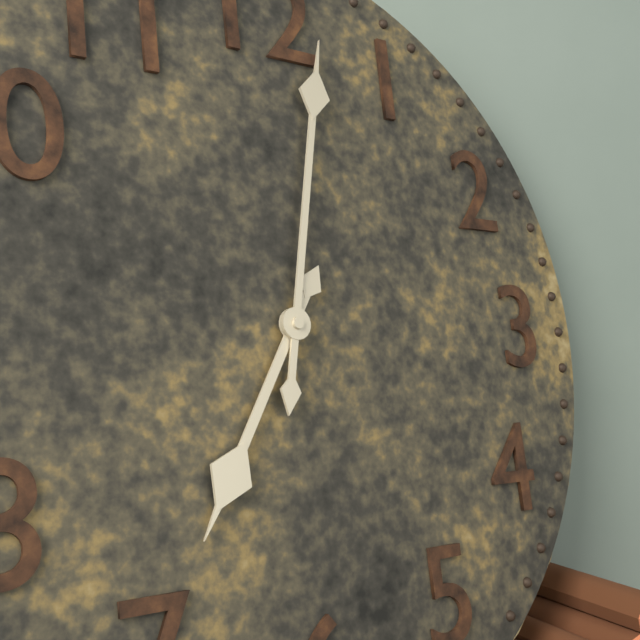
{"hour": 7, "minute": 2}
